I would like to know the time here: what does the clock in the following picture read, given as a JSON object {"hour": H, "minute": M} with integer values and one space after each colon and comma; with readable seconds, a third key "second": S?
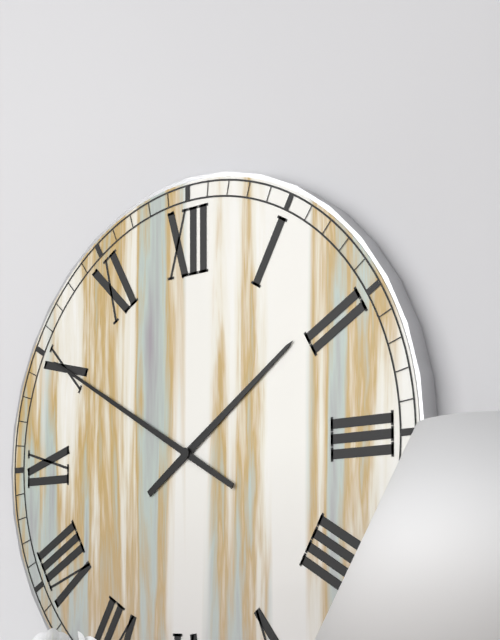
{"hour": 1, "minute": 50}
